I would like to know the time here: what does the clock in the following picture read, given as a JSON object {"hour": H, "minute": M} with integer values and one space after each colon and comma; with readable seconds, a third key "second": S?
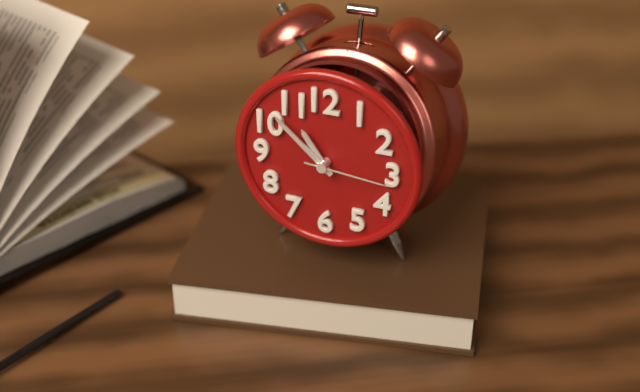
{"hour": 10, "minute": 52, "second": 16}
